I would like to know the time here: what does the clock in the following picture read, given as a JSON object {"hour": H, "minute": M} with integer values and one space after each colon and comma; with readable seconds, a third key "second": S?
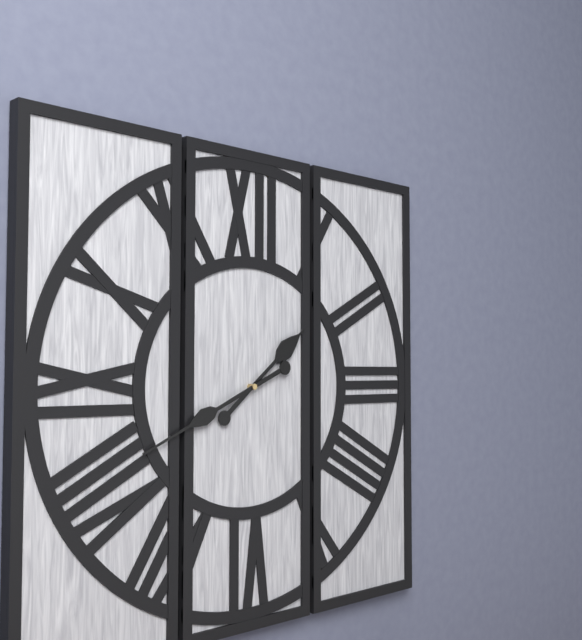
{"hour": 1, "minute": 41}
